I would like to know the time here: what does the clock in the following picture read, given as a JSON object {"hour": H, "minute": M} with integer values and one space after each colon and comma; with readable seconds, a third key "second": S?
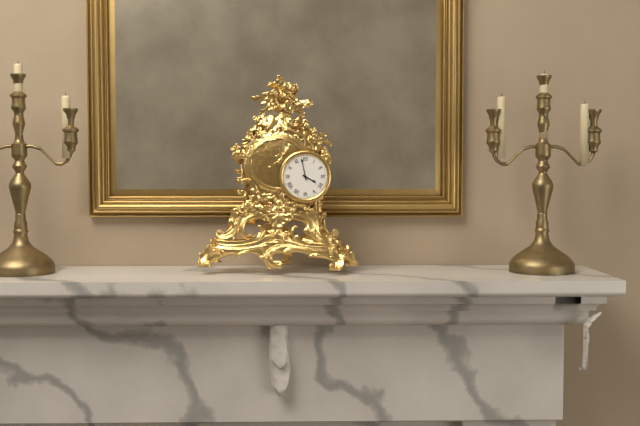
{"hour": 3, "minute": 58}
